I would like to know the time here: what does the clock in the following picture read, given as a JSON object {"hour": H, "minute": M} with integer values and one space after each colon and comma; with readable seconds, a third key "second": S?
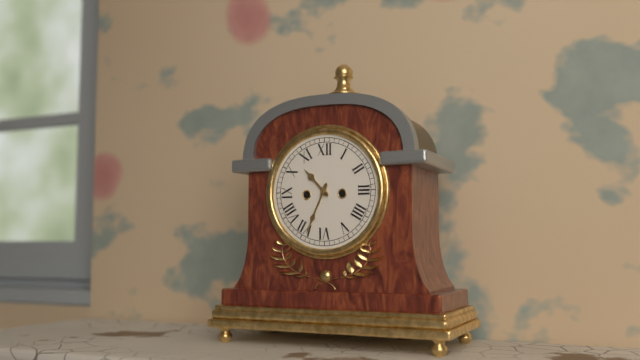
{"hour": 10, "minute": 34}
